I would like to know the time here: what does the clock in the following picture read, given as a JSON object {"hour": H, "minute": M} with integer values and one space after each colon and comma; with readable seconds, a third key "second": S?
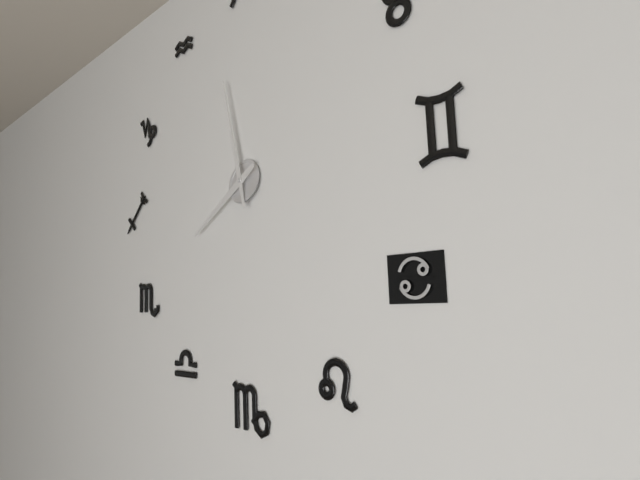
{"hour": 7, "minute": 58}
